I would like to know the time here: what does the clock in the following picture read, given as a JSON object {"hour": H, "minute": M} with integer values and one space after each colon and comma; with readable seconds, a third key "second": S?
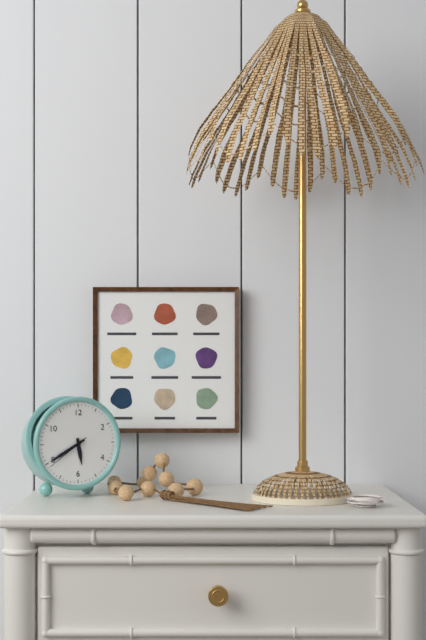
{"hour": 5, "minute": 40}
